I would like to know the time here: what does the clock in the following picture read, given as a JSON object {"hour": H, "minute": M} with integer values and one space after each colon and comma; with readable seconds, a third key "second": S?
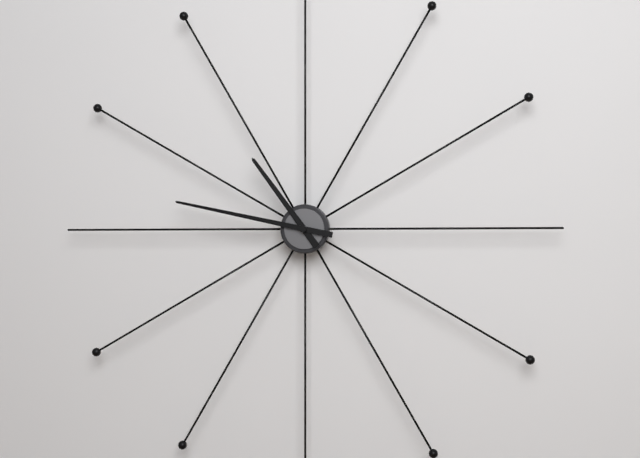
{"hour": 10, "minute": 47}
